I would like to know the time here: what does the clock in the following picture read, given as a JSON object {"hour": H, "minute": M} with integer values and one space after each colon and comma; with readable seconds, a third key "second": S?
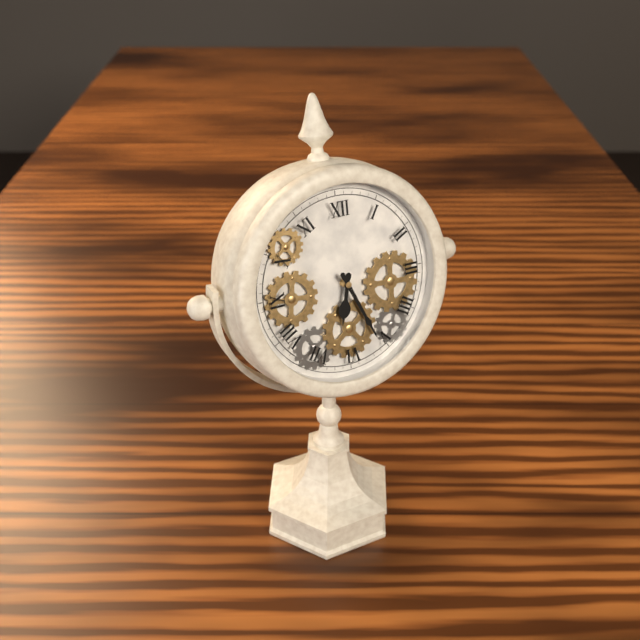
{"hour": 6, "minute": 26}
